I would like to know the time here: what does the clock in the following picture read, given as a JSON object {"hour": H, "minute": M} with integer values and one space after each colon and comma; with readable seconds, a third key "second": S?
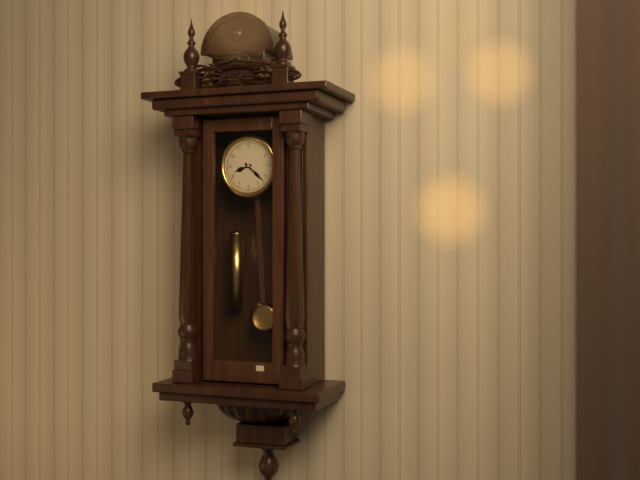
{"hour": 8, "minute": 22}
